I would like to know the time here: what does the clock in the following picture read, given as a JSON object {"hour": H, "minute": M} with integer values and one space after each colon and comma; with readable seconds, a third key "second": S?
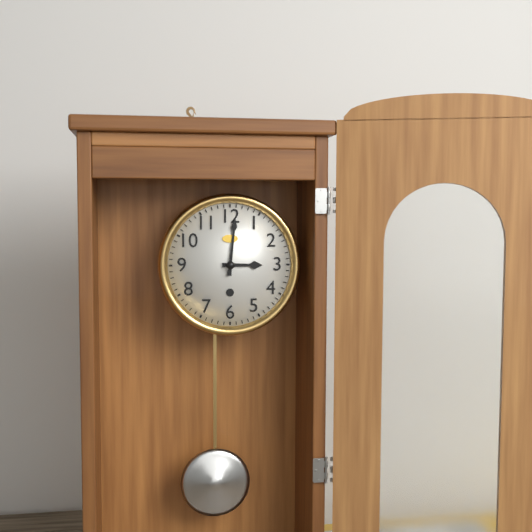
{"hour": 3, "minute": 1}
